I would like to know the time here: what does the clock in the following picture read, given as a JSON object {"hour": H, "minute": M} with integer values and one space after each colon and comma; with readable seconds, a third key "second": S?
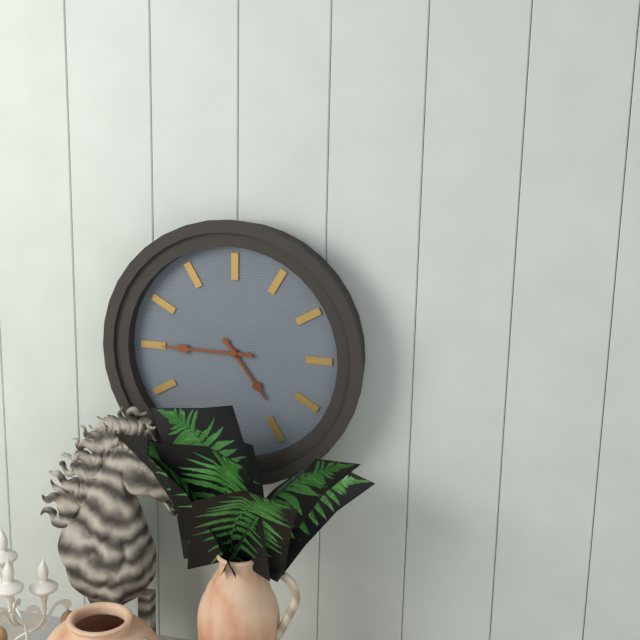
{"hour": 4, "minute": 45}
